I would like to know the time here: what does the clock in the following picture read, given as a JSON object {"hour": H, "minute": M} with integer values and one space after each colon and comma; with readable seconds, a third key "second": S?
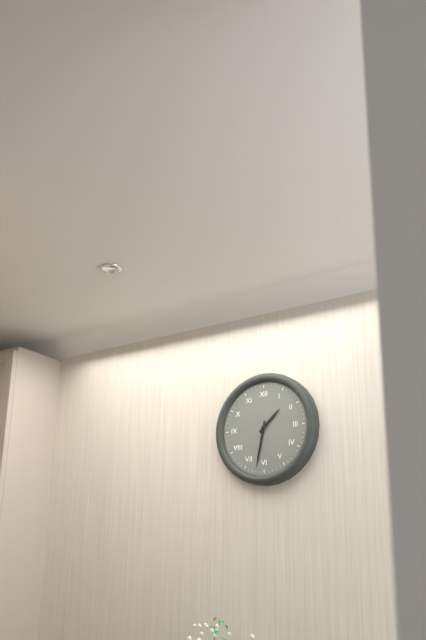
{"hour": 1, "minute": 32}
